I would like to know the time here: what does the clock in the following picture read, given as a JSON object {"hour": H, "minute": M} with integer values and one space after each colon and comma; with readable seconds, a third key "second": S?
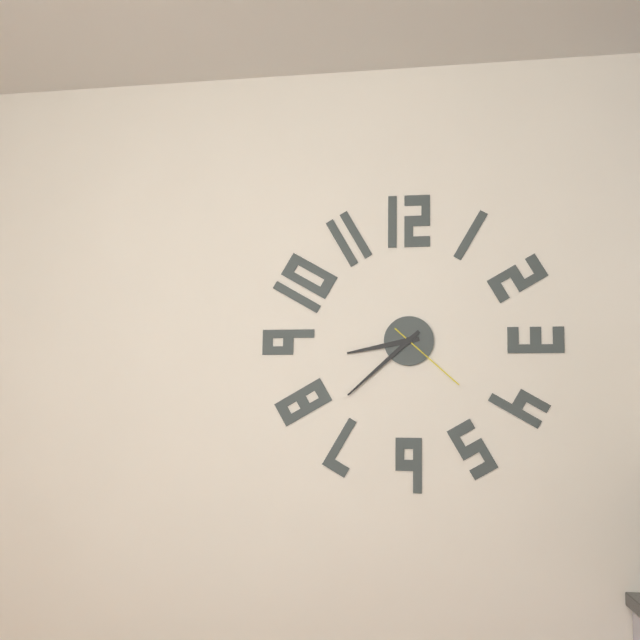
{"hour": 8, "minute": 38, "second": 22}
